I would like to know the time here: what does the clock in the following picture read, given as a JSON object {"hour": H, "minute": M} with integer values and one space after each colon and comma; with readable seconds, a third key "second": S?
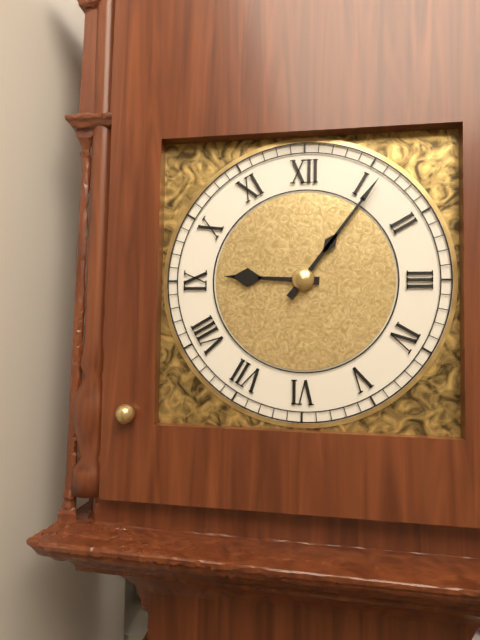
{"hour": 9, "minute": 6}
